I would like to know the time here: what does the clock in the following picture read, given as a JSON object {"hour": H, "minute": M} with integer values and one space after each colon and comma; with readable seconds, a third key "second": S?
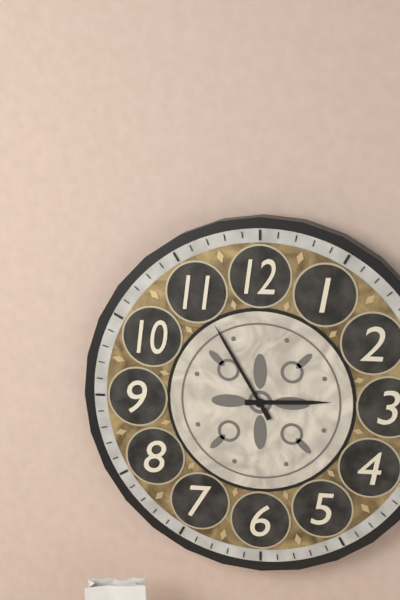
{"hour": 2, "minute": 55}
